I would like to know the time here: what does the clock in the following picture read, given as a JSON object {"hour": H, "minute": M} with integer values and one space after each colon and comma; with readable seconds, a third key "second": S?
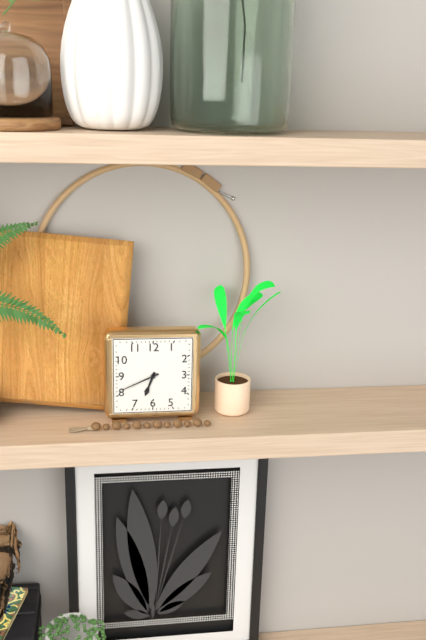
{"hour": 6, "minute": 41}
